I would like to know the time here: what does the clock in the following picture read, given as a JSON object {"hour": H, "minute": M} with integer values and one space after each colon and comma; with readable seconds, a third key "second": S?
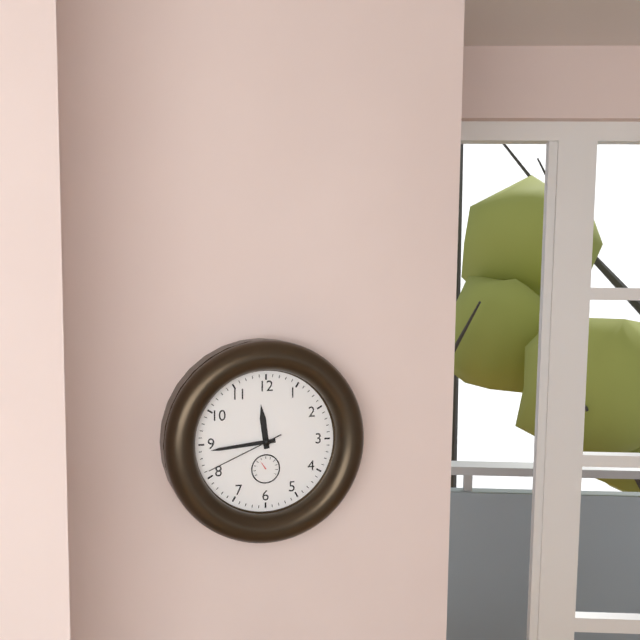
{"hour": 11, "minute": 44, "second": 41}
